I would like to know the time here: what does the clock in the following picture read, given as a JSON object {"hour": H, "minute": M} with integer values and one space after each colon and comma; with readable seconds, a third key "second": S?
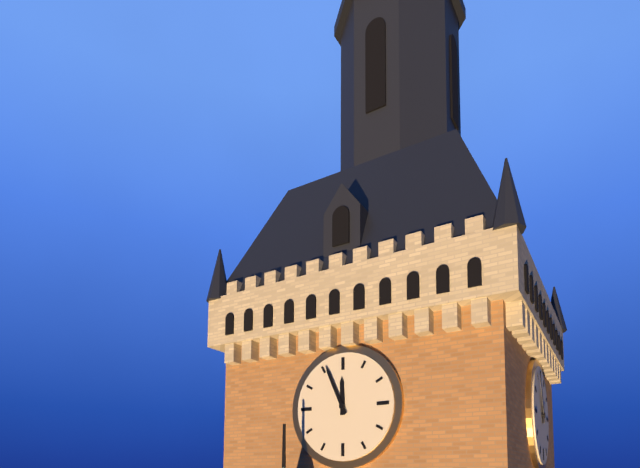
{"hour": 11, "minute": 56}
